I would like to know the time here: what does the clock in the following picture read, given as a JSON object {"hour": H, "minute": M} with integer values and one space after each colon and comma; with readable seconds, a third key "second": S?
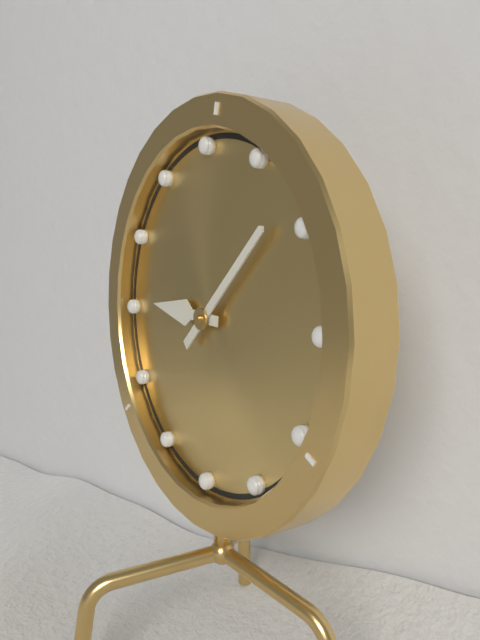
{"hour": 9, "minute": 8}
